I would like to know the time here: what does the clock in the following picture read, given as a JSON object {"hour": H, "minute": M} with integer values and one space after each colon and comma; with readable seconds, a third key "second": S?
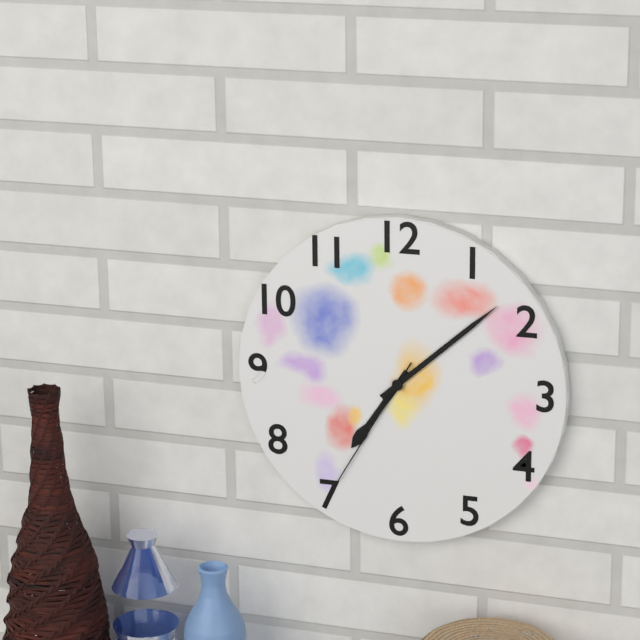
{"hour": 7, "minute": 8, "second": 35}
